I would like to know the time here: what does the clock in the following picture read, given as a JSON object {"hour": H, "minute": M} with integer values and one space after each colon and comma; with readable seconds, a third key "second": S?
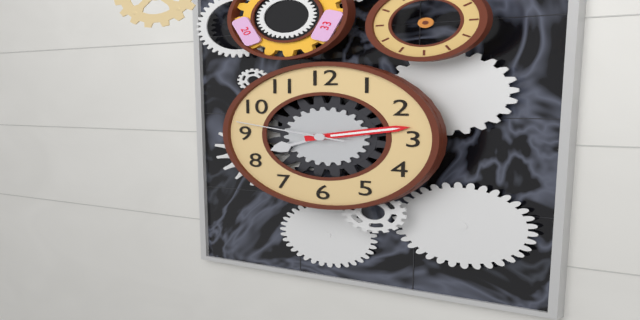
{"hour": 8, "minute": 13, "second": 47}
